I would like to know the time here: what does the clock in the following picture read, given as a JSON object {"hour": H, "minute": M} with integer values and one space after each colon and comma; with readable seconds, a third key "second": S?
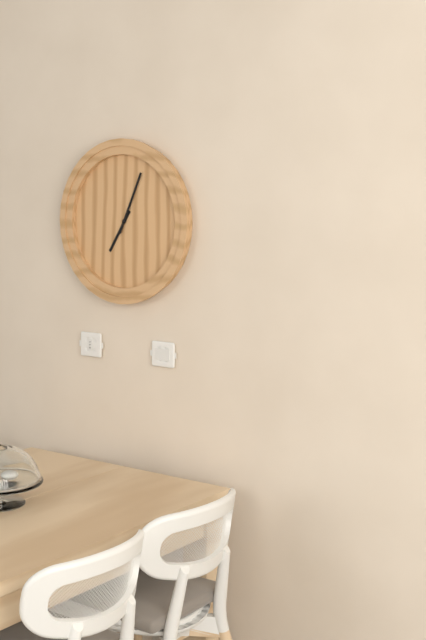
{"hour": 7, "minute": 4}
